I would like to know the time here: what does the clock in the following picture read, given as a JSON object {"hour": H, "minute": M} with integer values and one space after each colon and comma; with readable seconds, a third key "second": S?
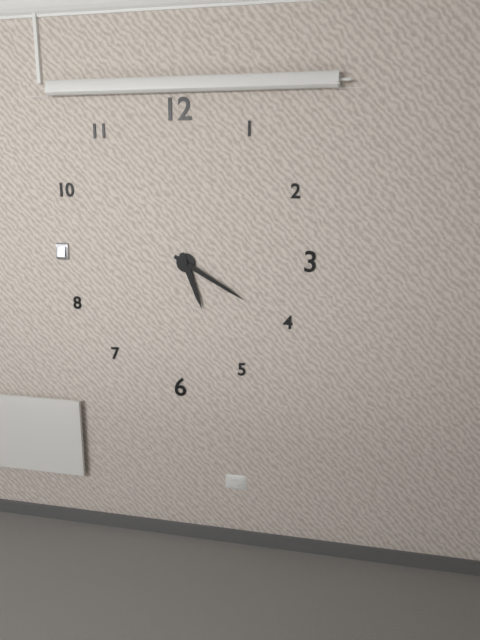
{"hour": 5, "minute": 20}
